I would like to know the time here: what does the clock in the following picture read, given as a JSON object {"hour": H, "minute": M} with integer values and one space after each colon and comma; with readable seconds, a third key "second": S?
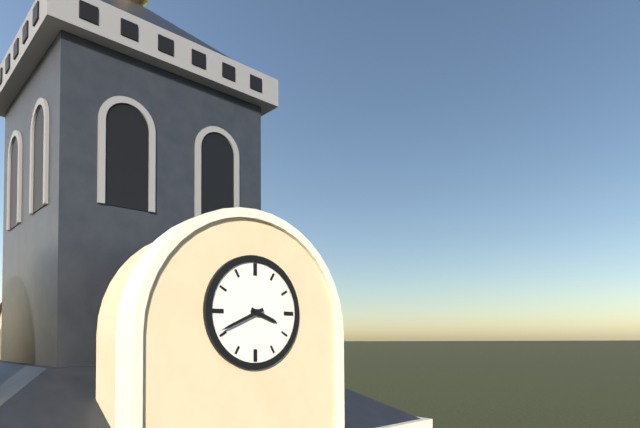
{"hour": 3, "minute": 41}
